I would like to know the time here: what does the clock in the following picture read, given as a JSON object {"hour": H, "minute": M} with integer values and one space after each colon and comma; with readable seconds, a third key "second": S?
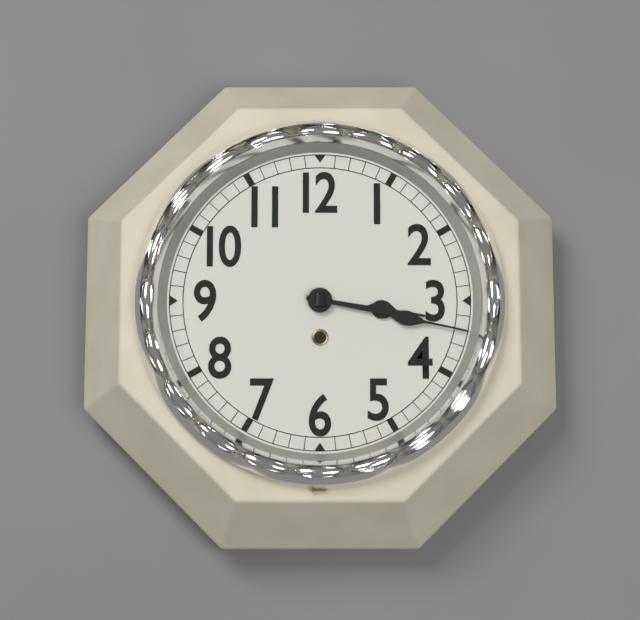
{"hour": 3, "minute": 17}
